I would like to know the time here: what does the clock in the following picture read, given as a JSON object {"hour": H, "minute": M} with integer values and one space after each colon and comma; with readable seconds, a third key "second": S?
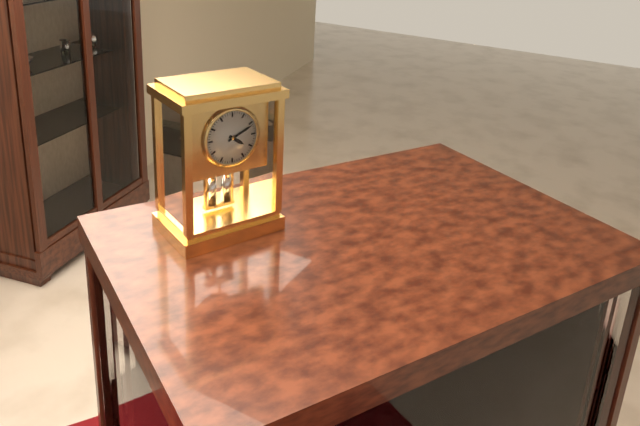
{"hour": 4, "minute": 11}
